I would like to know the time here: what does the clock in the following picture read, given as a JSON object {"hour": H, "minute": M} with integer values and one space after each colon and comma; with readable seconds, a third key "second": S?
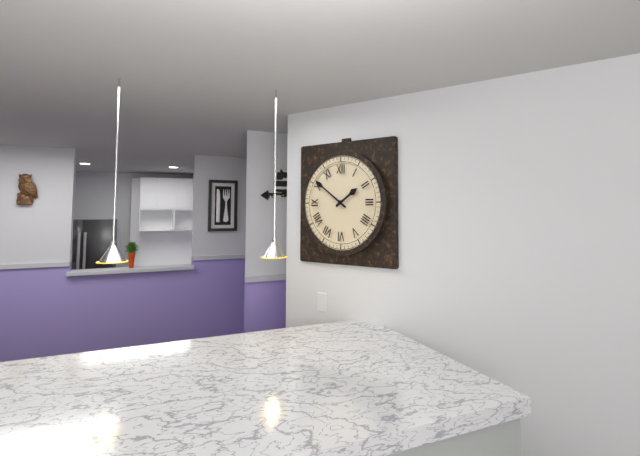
{"hour": 1, "minute": 51}
